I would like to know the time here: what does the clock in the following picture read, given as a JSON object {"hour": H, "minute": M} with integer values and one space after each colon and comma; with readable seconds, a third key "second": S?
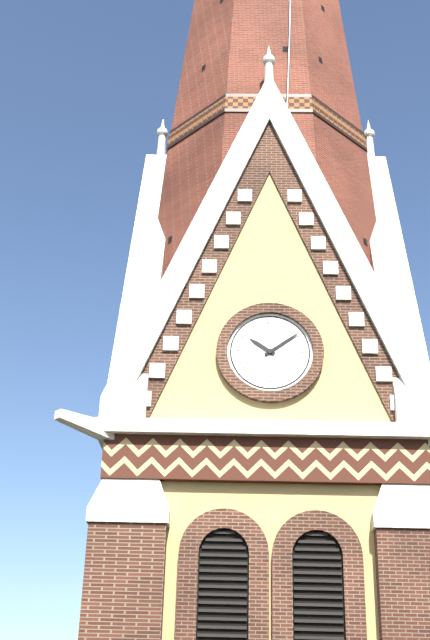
{"hour": 10, "minute": 9}
